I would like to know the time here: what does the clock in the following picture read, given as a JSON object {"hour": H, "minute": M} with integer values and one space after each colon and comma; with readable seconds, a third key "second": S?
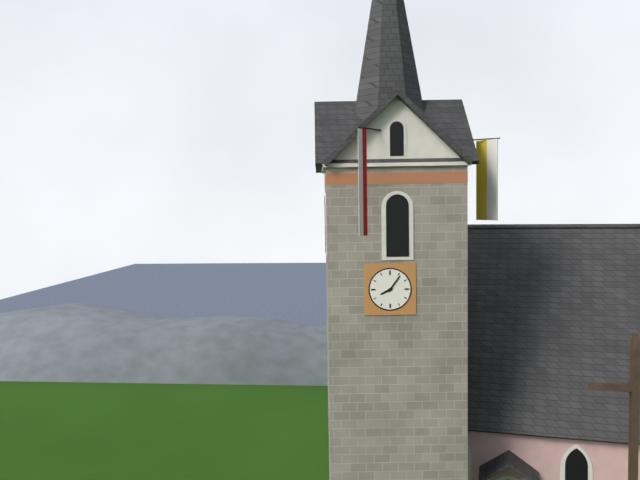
{"hour": 8, "minute": 6}
